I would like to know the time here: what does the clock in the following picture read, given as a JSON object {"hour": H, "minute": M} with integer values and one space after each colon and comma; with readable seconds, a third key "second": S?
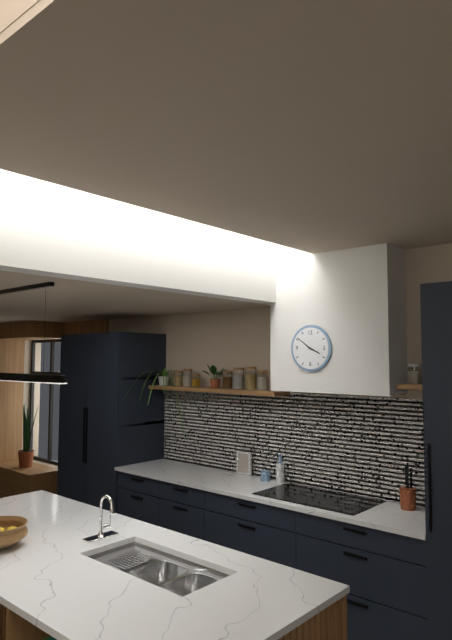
{"hour": 3, "minute": 51}
